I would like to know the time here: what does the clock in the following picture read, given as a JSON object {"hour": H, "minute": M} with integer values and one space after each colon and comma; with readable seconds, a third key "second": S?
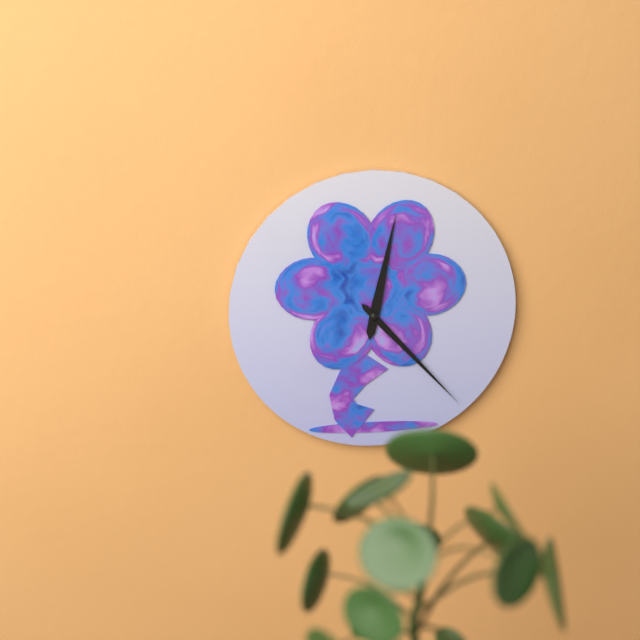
{"hour": 12, "minute": 23}
